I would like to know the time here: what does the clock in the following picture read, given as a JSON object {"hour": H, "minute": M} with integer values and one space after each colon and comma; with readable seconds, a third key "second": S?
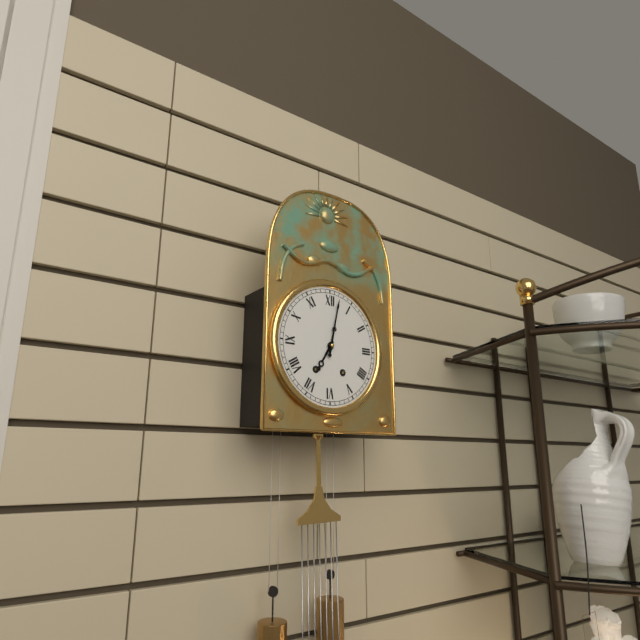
{"hour": 7, "minute": 2}
